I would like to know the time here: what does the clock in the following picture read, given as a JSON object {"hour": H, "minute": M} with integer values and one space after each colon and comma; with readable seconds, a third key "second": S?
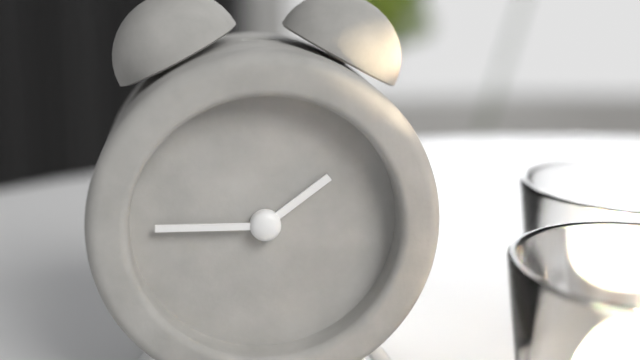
{"hour": 1, "minute": 45}
